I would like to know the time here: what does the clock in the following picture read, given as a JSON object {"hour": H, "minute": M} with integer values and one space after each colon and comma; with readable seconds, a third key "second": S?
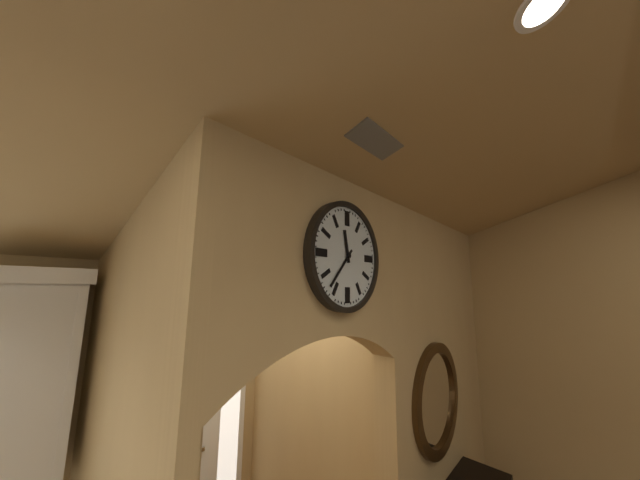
{"hour": 11, "minute": 37}
